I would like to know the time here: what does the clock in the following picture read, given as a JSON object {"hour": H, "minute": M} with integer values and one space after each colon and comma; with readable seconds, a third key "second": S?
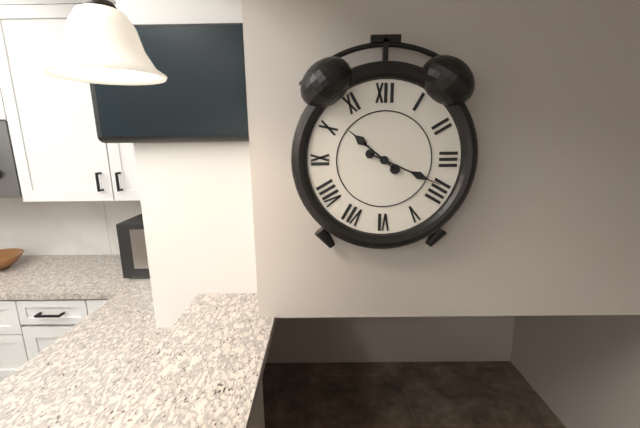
{"hour": 10, "minute": 19}
